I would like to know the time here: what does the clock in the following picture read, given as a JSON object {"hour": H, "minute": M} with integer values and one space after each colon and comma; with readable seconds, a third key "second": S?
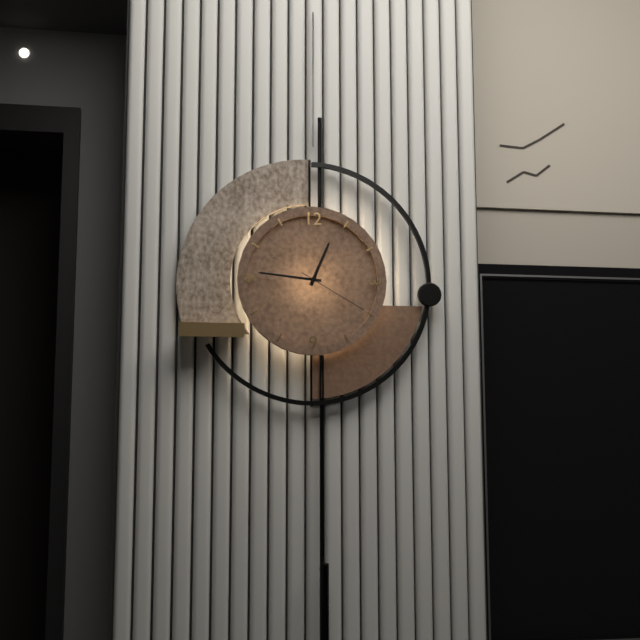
{"hour": 12, "minute": 46, "second": 20}
